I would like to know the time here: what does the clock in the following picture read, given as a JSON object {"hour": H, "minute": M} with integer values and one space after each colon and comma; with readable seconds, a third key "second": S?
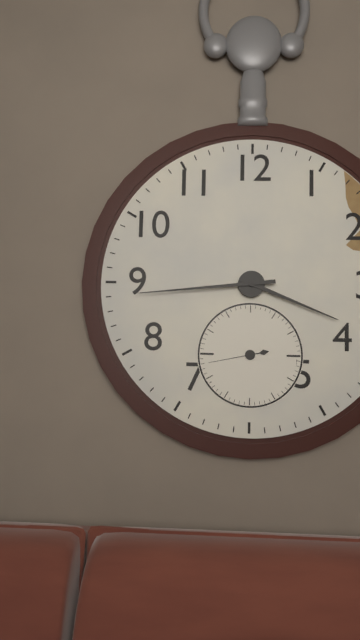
{"hour": 3, "minute": 44, "second": 43}
